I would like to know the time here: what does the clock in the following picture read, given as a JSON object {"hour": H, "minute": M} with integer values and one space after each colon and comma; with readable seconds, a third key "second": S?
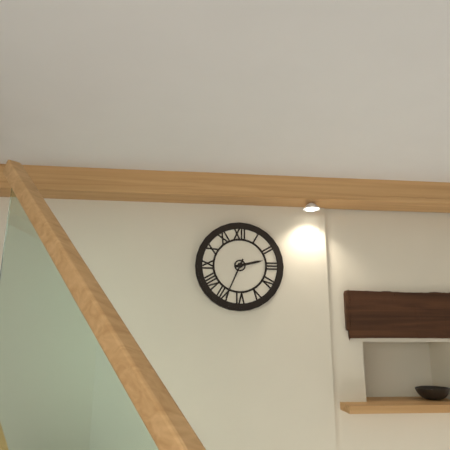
{"hour": 2, "minute": 34}
